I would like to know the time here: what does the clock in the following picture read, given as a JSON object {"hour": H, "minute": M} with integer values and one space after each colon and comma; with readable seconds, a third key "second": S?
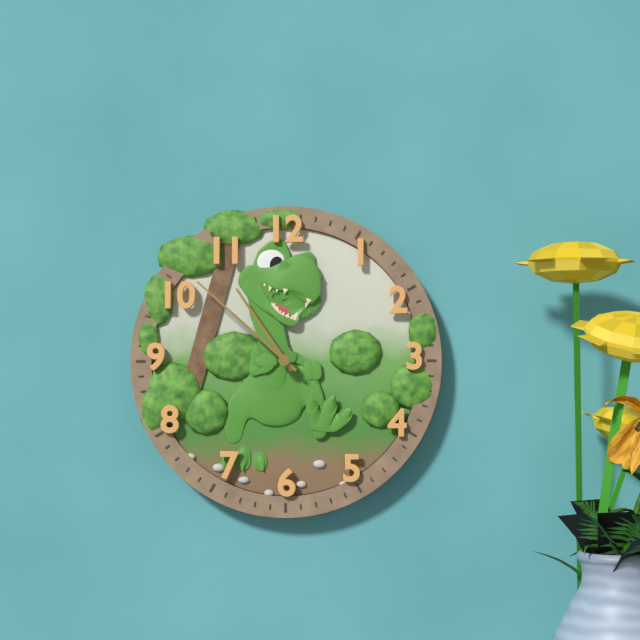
{"hour": 10, "minute": 52}
